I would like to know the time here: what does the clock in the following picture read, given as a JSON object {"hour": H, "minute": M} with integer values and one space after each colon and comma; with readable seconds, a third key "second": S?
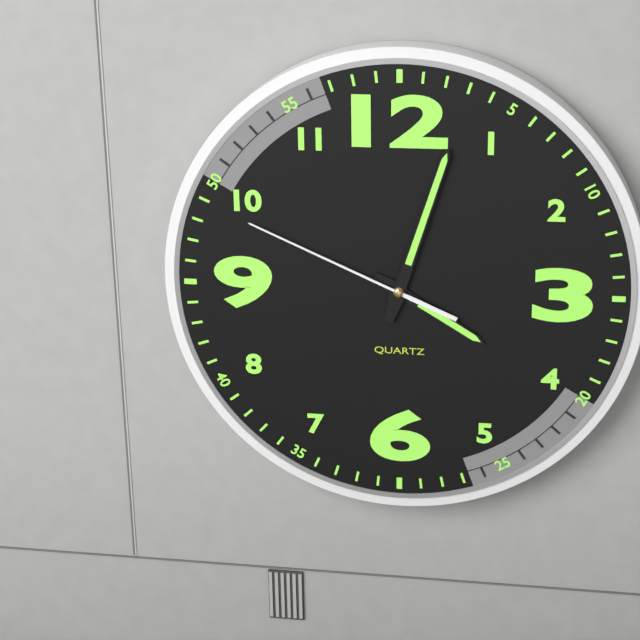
{"hour": 4, "minute": 3, "second": 49}
